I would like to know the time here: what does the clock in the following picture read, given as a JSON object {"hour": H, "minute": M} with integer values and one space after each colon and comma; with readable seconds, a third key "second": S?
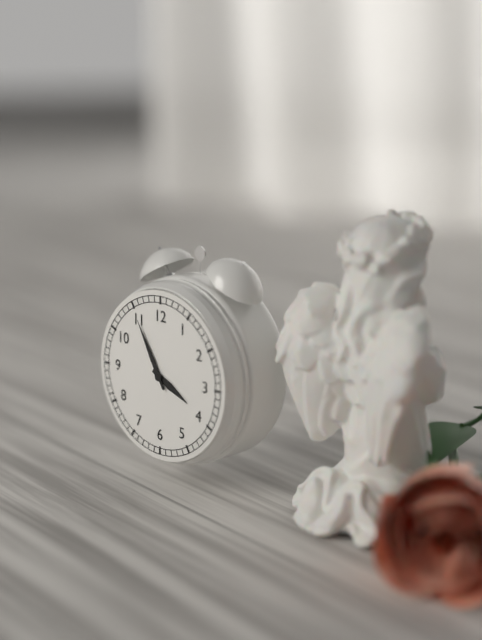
{"hour": 3, "minute": 55}
